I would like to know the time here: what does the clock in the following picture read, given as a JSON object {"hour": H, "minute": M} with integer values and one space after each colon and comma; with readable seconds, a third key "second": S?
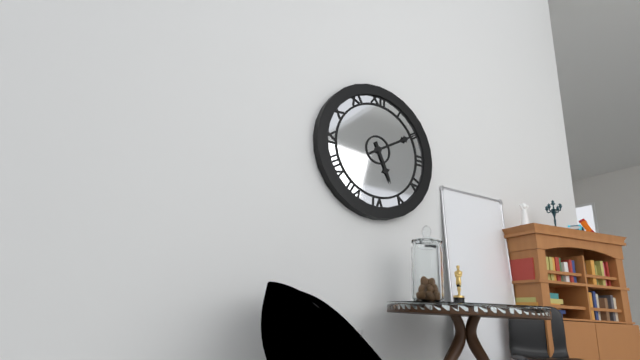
{"hour": 5, "minute": 10}
